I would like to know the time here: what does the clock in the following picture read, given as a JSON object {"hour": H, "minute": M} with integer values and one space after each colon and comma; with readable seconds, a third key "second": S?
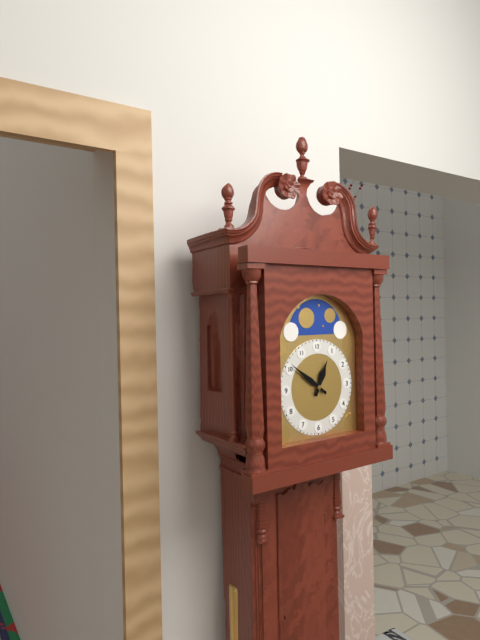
{"hour": 12, "minute": 51}
